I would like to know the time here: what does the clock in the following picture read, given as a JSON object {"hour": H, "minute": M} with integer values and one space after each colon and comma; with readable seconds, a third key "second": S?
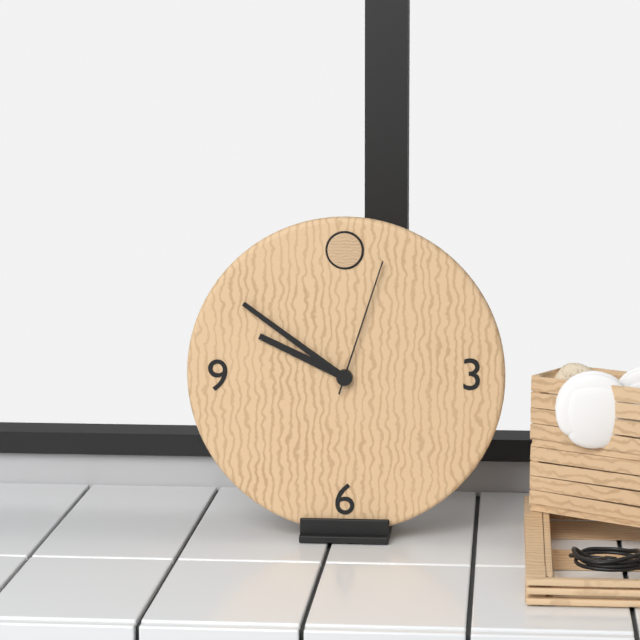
{"hour": 9, "minute": 51, "second": 3}
